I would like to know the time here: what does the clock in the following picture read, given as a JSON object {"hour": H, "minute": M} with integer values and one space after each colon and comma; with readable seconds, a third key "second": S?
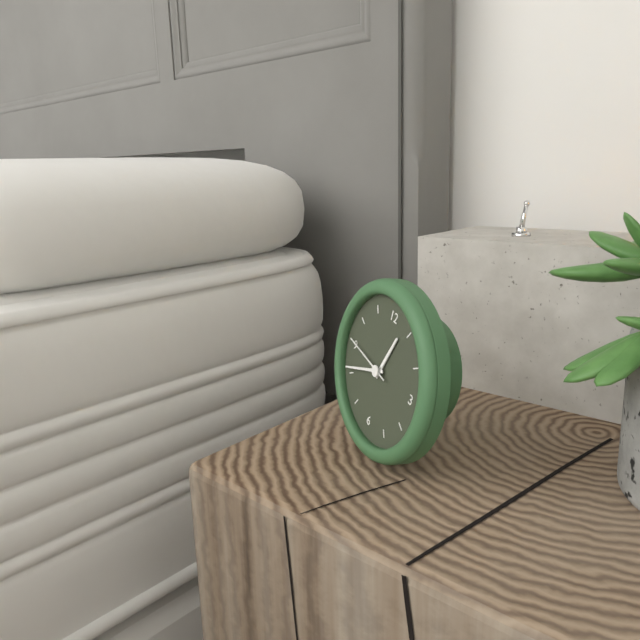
{"hour": 12, "minute": 41, "second": 46}
